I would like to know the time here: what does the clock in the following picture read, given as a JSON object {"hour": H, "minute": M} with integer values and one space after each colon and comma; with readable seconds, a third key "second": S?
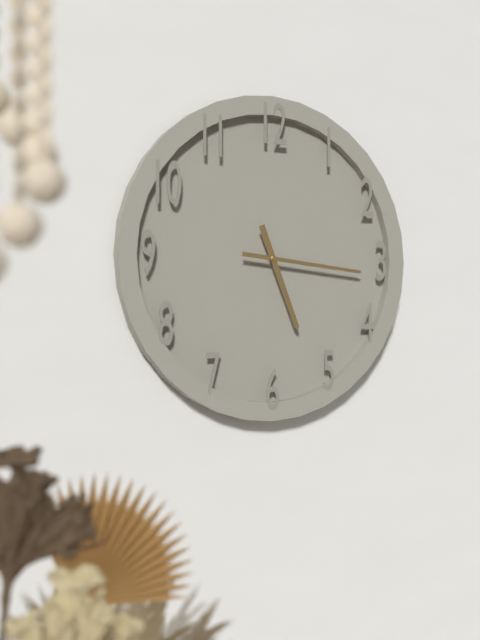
{"hour": 5, "minute": 16}
